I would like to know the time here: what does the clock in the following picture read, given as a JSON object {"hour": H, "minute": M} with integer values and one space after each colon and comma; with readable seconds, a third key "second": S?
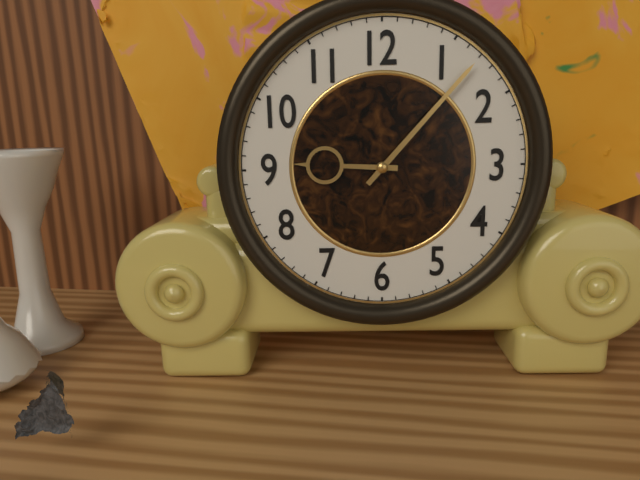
{"hour": 9, "minute": 7}
